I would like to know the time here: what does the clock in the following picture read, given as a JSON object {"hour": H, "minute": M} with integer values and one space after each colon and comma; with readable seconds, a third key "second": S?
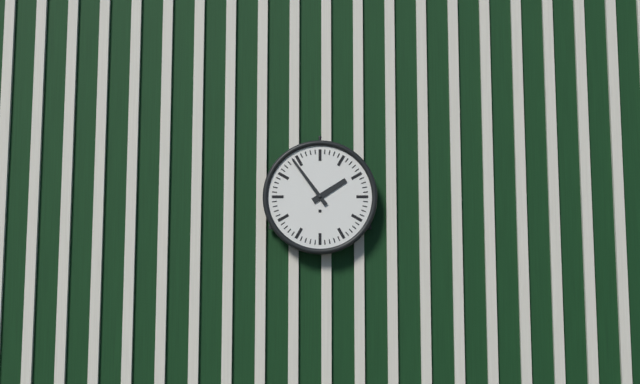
{"hour": 1, "minute": 54}
